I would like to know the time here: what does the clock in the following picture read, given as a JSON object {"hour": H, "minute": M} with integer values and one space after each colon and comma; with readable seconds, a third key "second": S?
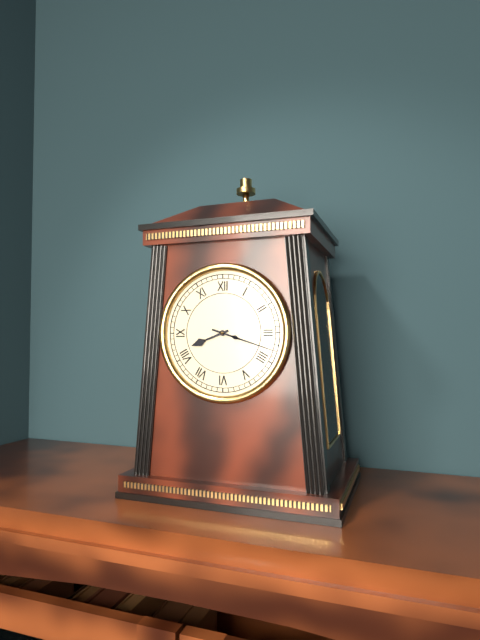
{"hour": 8, "minute": 18}
